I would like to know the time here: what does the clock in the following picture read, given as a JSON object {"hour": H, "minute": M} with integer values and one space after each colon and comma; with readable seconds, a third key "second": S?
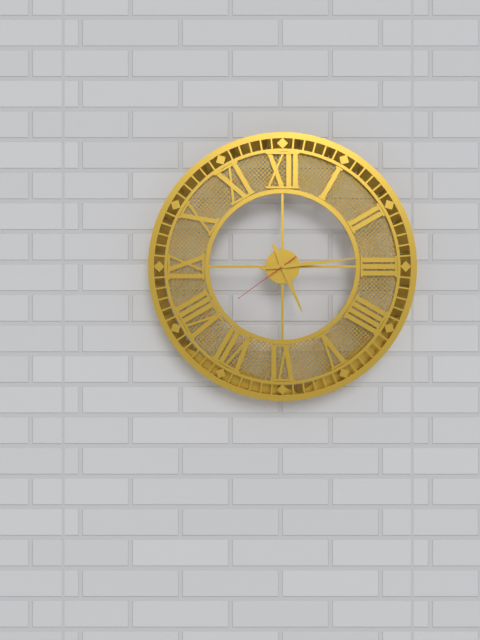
{"hour": 5, "minute": 14, "second": 39}
